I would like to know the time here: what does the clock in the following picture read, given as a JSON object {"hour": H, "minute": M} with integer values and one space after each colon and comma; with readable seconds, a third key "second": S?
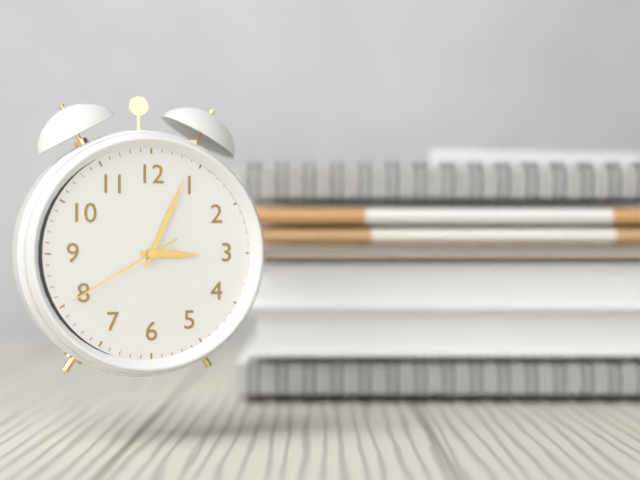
{"hour": 3, "minute": 4, "second": 40}
